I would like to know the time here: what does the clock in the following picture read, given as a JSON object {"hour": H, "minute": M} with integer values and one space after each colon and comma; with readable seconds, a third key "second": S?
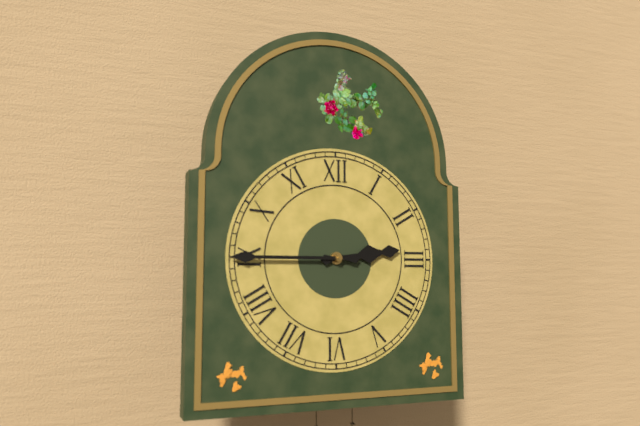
{"hour": 2, "minute": 45}
